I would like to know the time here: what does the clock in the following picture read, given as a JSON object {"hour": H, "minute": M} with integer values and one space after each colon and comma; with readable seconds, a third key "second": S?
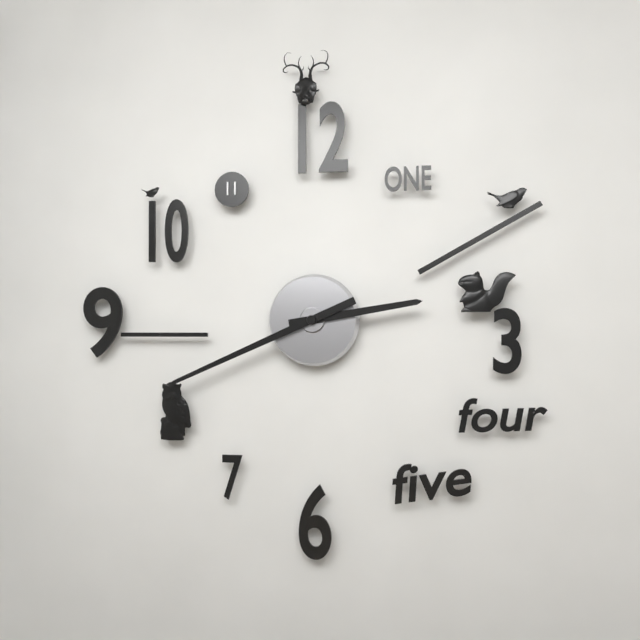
{"hour": 2, "minute": 41}
